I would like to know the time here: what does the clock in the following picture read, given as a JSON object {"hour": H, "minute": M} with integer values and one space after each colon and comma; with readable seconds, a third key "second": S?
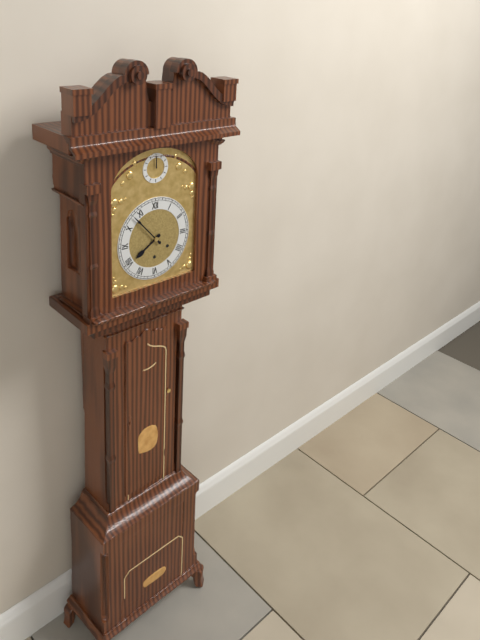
{"hour": 7, "minute": 53}
